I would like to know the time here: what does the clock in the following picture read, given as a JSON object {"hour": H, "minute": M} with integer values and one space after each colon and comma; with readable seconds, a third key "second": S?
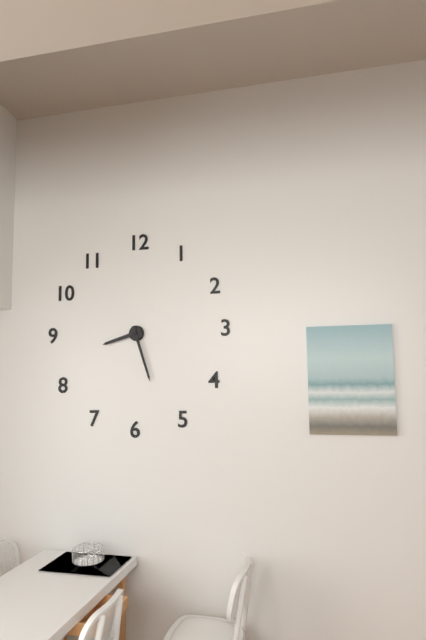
{"hour": 8, "minute": 27}
